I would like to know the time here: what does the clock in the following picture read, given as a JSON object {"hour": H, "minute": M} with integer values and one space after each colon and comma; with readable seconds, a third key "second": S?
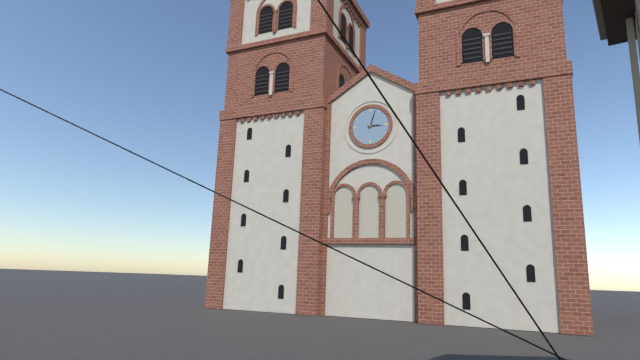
{"hour": 3, "minute": 3}
